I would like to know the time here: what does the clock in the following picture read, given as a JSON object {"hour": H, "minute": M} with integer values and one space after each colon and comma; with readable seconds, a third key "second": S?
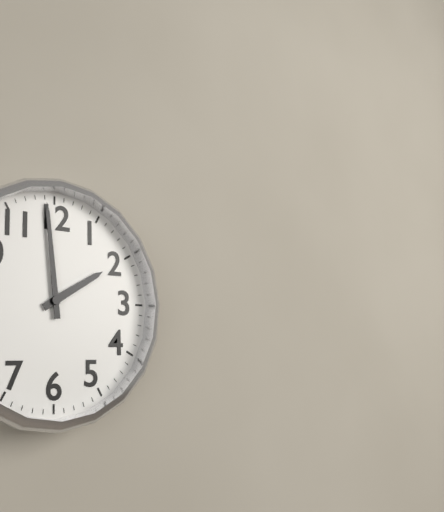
{"hour": 1, "minute": 59}
